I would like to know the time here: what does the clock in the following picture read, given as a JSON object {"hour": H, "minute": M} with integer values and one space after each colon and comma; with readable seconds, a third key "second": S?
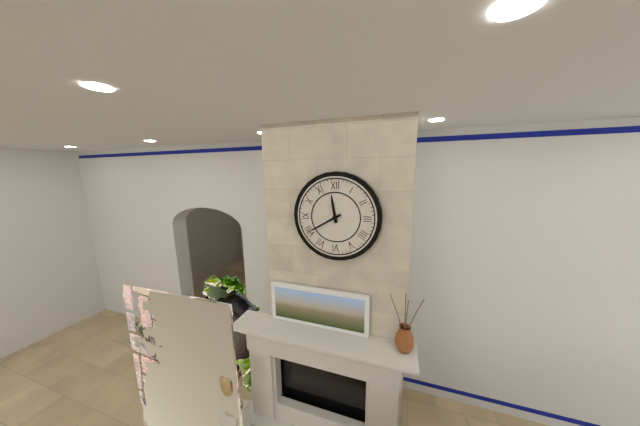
{"hour": 11, "minute": 40}
